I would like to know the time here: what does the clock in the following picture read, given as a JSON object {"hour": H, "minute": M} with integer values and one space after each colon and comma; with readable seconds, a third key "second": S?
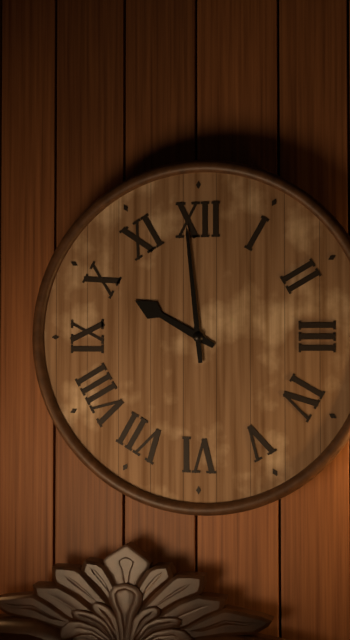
{"hour": 9, "minute": 59}
